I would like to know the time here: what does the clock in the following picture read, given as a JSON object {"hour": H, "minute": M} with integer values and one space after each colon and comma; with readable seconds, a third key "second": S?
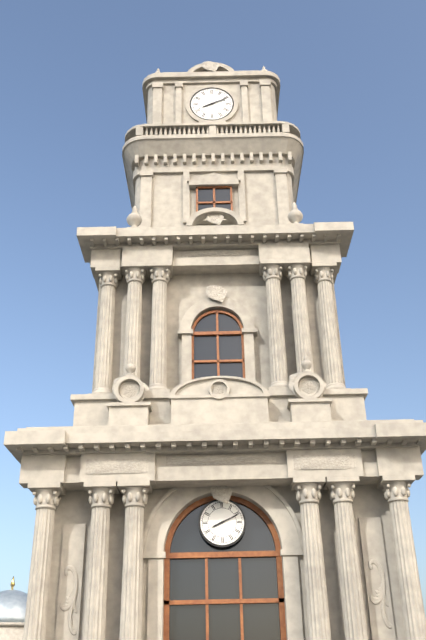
{"hour": 8, "minute": 11}
